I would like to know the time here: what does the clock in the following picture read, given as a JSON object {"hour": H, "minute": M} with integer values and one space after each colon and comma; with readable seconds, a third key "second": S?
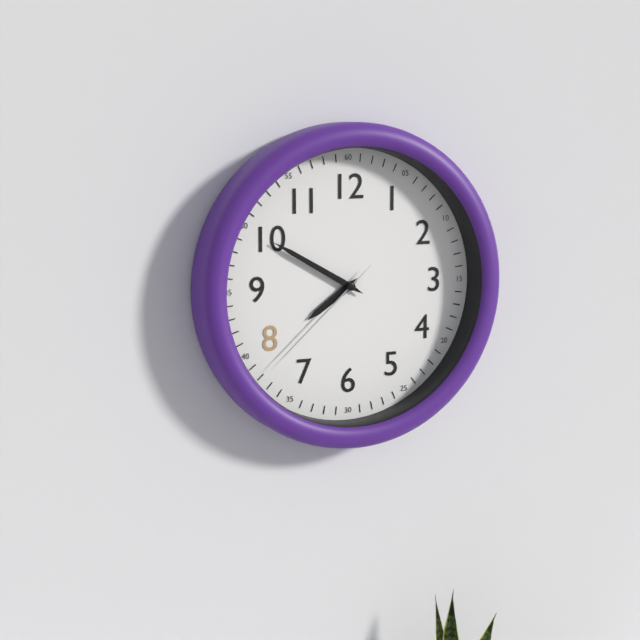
{"hour": 7, "minute": 50, "second": 38}
